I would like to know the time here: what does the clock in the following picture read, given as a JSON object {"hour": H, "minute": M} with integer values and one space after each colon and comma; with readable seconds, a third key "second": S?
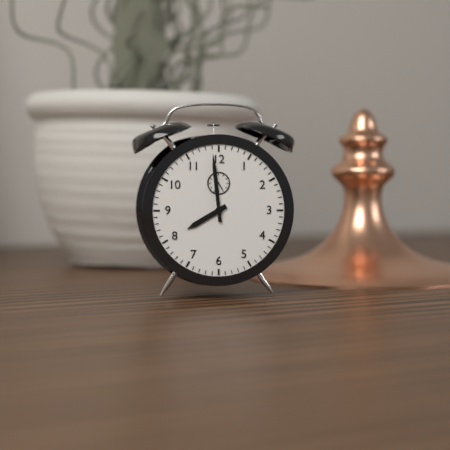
{"hour": 7, "minute": 59}
